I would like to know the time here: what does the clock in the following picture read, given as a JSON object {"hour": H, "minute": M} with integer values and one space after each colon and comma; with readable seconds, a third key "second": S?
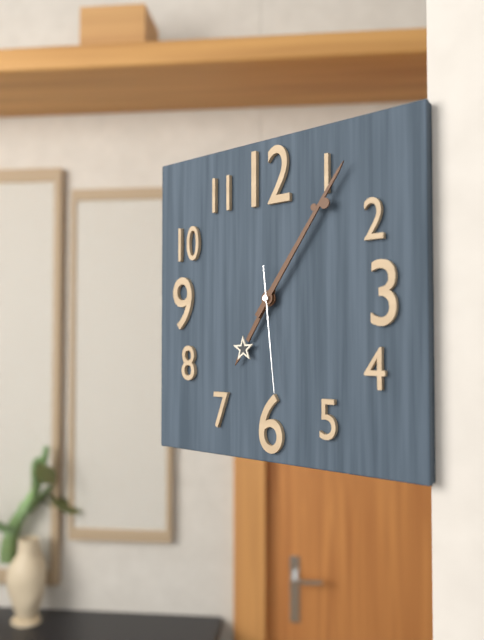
{"hour": 7, "minute": 6, "second": 29}
